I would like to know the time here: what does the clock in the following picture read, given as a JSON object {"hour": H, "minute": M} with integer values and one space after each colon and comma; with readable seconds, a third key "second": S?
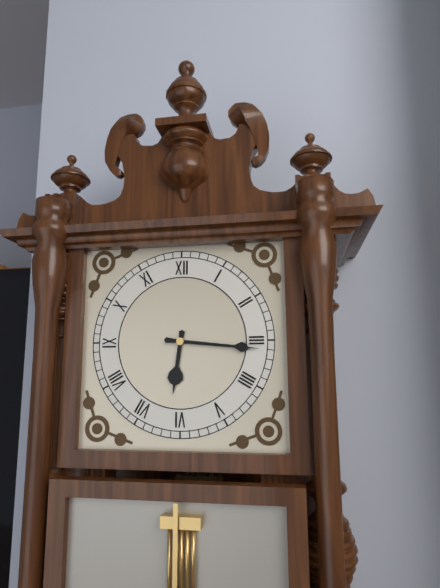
{"hour": 6, "minute": 16}
